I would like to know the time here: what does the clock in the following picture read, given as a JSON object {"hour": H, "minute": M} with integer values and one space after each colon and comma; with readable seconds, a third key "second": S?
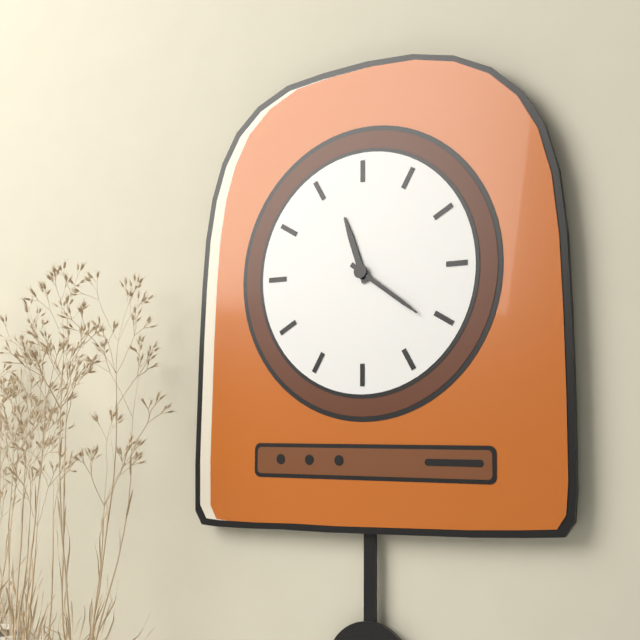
{"hour": 11, "minute": 21}
